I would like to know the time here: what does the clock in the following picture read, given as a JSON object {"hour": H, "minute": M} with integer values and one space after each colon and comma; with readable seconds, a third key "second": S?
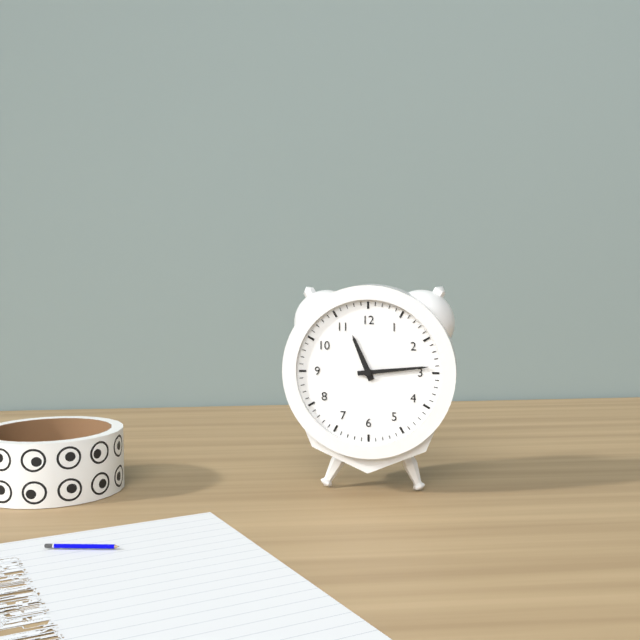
{"hour": 11, "minute": 14}
